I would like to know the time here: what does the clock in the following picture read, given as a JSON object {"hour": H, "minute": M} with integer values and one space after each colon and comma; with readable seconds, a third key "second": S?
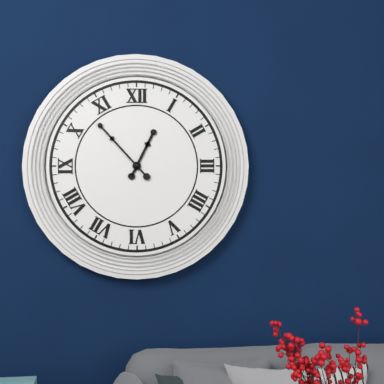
{"hour": 12, "minute": 53}
